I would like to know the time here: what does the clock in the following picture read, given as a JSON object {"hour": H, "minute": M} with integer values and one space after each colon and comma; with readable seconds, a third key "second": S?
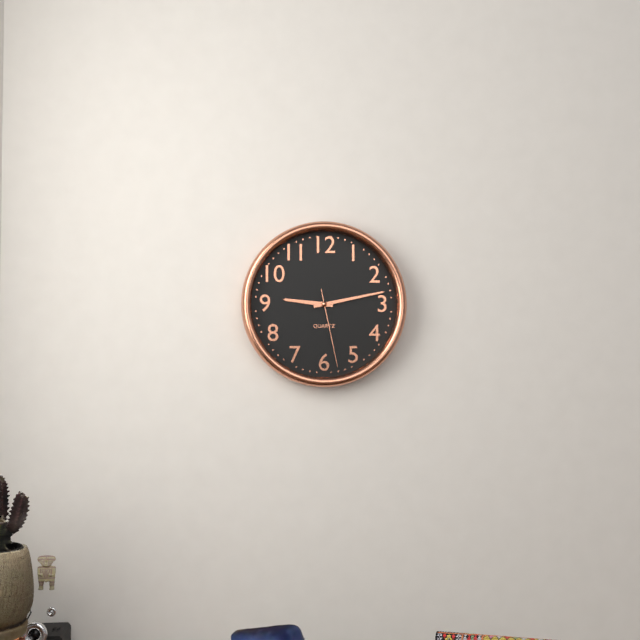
{"hour": 9, "minute": 13, "second": 28}
